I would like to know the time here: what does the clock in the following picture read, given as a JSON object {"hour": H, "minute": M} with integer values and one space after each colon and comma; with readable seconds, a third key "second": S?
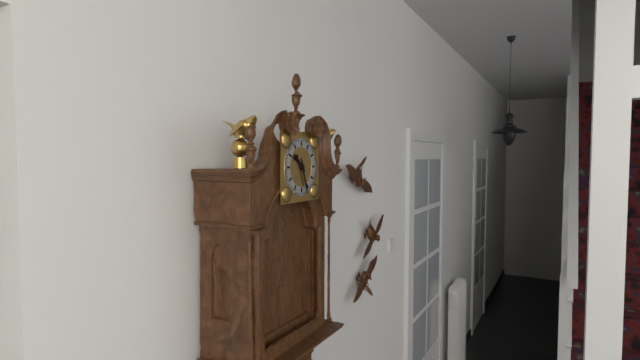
{"hour": 10, "minute": 27}
